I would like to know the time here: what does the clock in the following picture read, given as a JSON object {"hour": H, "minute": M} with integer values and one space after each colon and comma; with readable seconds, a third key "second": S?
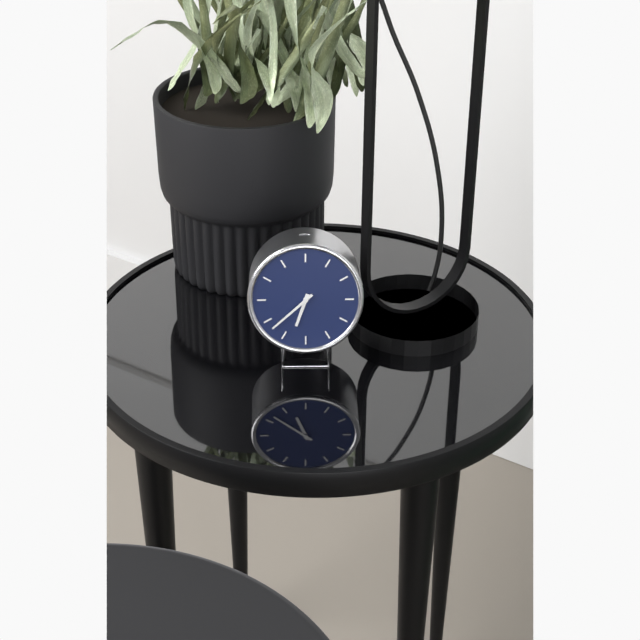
{"hour": 6, "minute": 38}
